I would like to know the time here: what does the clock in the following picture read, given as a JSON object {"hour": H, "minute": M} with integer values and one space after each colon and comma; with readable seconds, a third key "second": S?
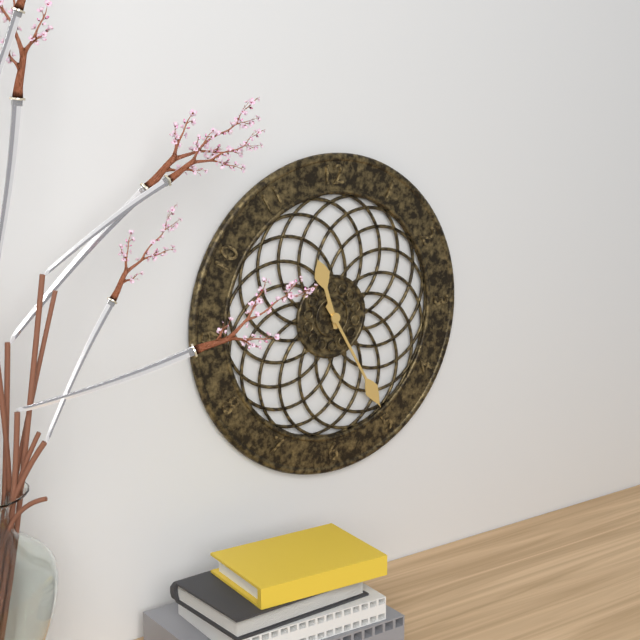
{"hour": 11, "minute": 25}
